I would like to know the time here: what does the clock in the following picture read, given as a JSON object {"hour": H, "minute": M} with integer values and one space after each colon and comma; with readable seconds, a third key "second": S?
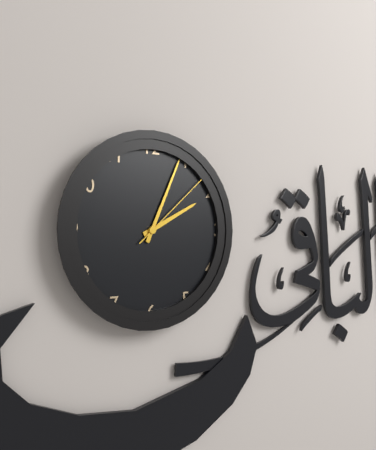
{"hour": 2, "minute": 4, "second": 8}
